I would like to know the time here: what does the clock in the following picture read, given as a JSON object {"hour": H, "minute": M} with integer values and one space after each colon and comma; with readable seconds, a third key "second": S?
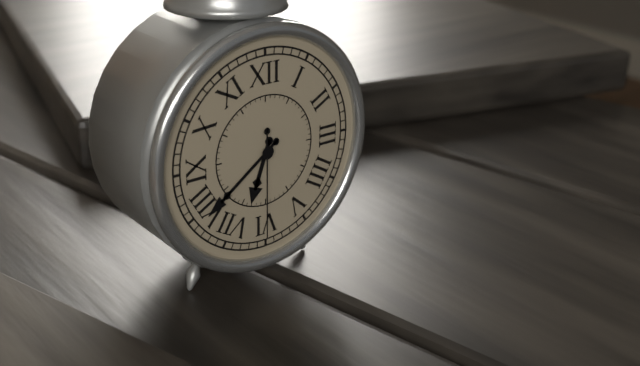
{"hour": 6, "minute": 39, "second": 30}
